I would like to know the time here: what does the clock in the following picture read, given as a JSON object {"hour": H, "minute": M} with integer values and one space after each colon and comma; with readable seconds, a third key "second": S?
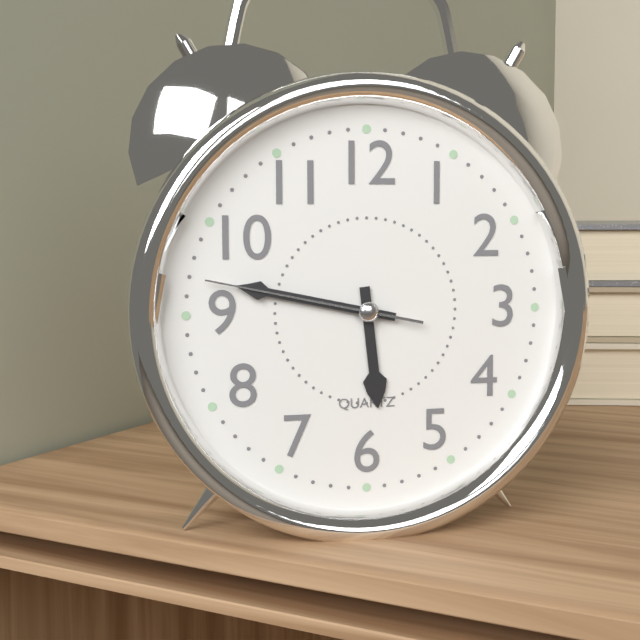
{"hour": 5, "minute": 47, "second": 47}
